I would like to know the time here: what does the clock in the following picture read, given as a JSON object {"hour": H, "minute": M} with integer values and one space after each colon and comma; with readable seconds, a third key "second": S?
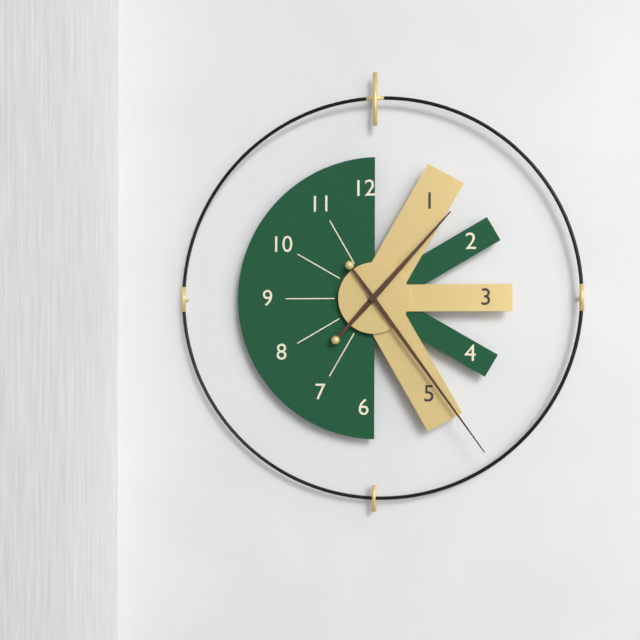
{"hour": 1, "minute": 24}
